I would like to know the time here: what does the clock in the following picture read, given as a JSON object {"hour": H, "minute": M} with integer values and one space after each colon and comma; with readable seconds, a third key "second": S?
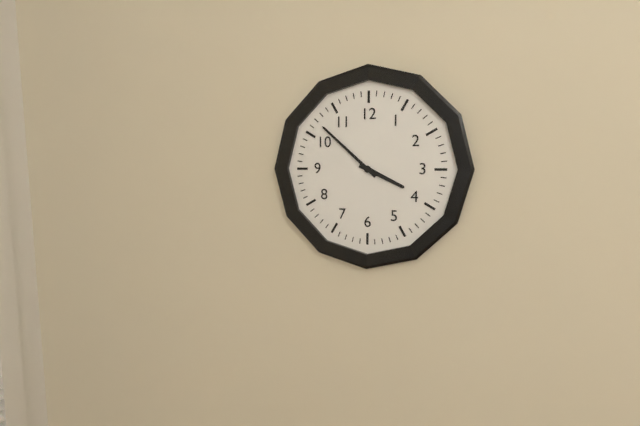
{"hour": 3, "minute": 52}
